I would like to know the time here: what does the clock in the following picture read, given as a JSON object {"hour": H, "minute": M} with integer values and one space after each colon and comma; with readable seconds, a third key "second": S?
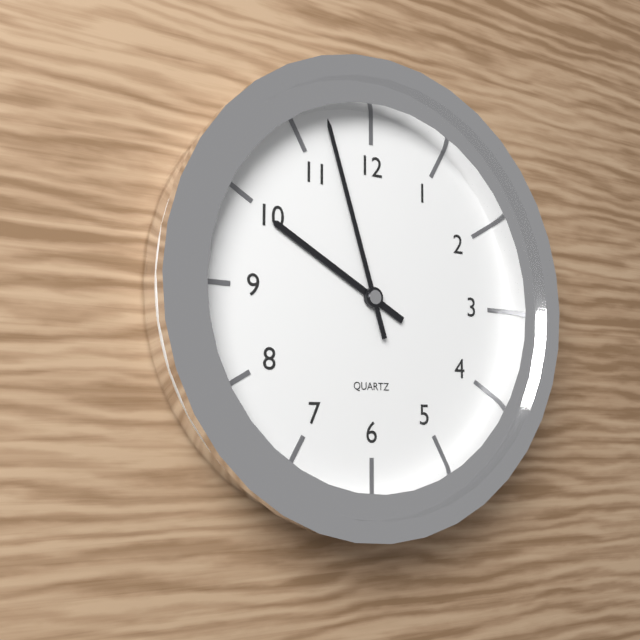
{"hour": 9, "minute": 57}
